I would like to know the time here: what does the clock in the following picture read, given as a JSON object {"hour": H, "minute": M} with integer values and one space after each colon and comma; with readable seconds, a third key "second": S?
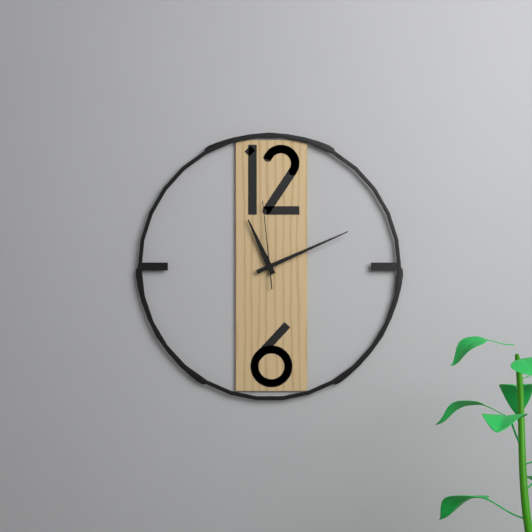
{"hour": 11, "minute": 11, "second": 59}
